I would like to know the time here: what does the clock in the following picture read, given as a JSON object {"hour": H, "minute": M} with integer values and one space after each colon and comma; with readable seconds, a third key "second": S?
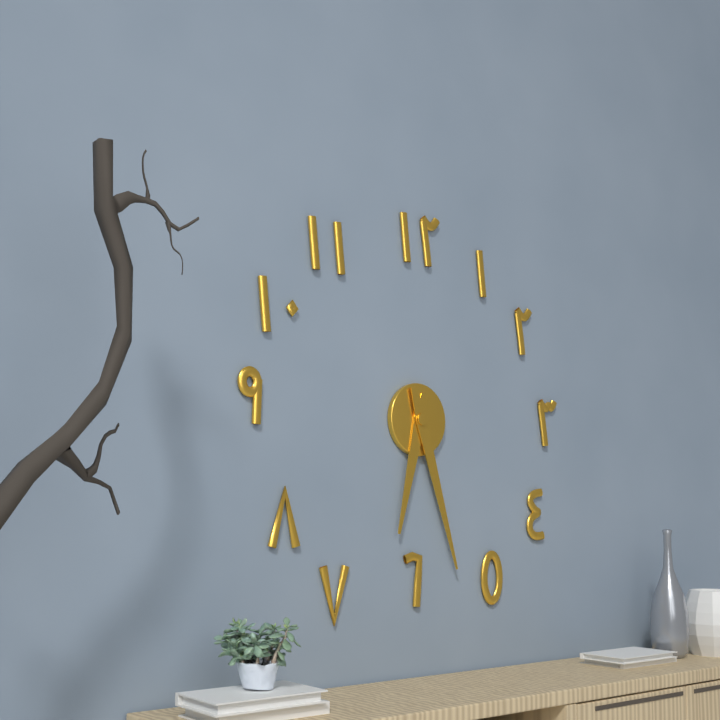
{"hour": 6, "minute": 27}
